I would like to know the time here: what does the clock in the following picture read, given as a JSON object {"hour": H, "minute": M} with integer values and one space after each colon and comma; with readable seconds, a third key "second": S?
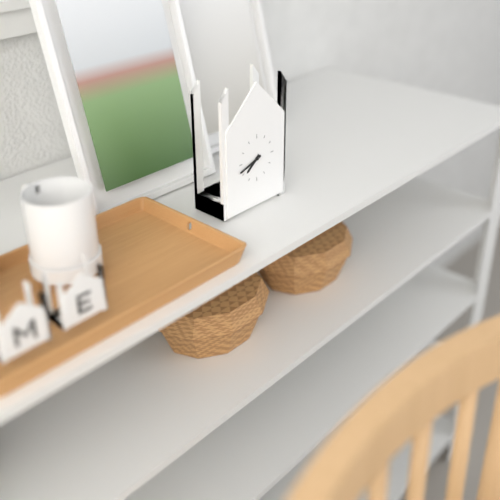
{"hour": 7, "minute": 42}
